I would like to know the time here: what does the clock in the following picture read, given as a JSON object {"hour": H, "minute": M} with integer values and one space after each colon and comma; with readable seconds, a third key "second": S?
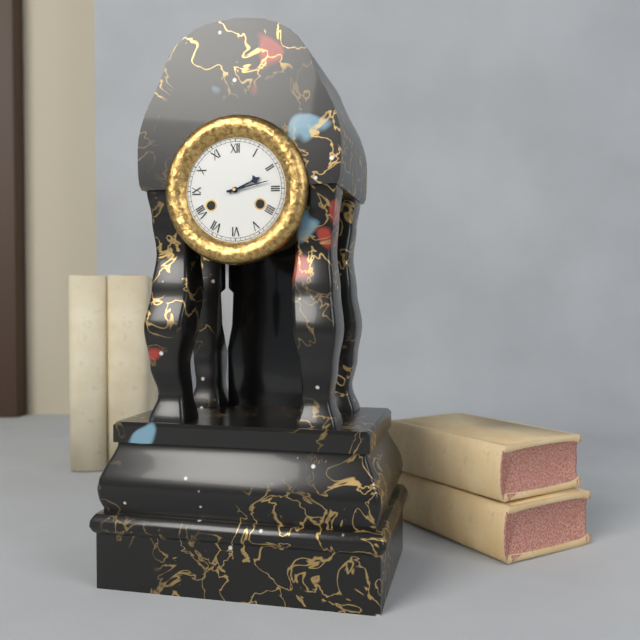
{"hour": 2, "minute": 13}
